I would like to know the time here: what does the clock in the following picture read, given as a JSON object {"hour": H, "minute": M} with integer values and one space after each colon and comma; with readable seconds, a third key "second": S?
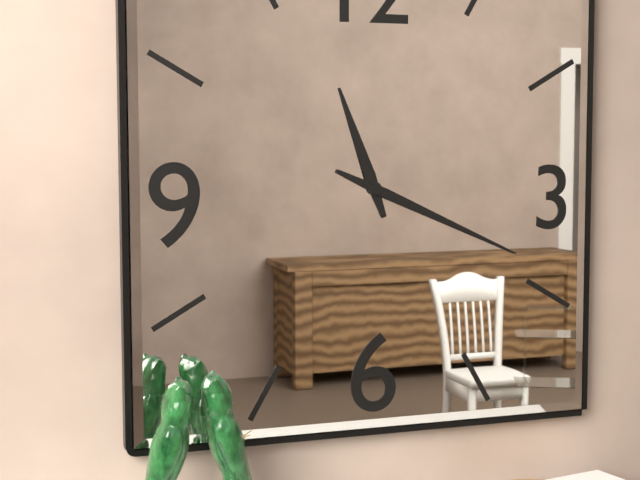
{"hour": 11, "minute": 19}
